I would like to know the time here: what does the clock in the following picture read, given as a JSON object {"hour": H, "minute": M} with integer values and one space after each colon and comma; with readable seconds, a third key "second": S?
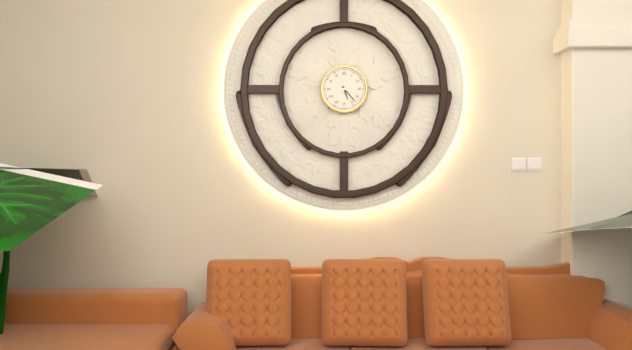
{"hour": 5, "minute": 23}
